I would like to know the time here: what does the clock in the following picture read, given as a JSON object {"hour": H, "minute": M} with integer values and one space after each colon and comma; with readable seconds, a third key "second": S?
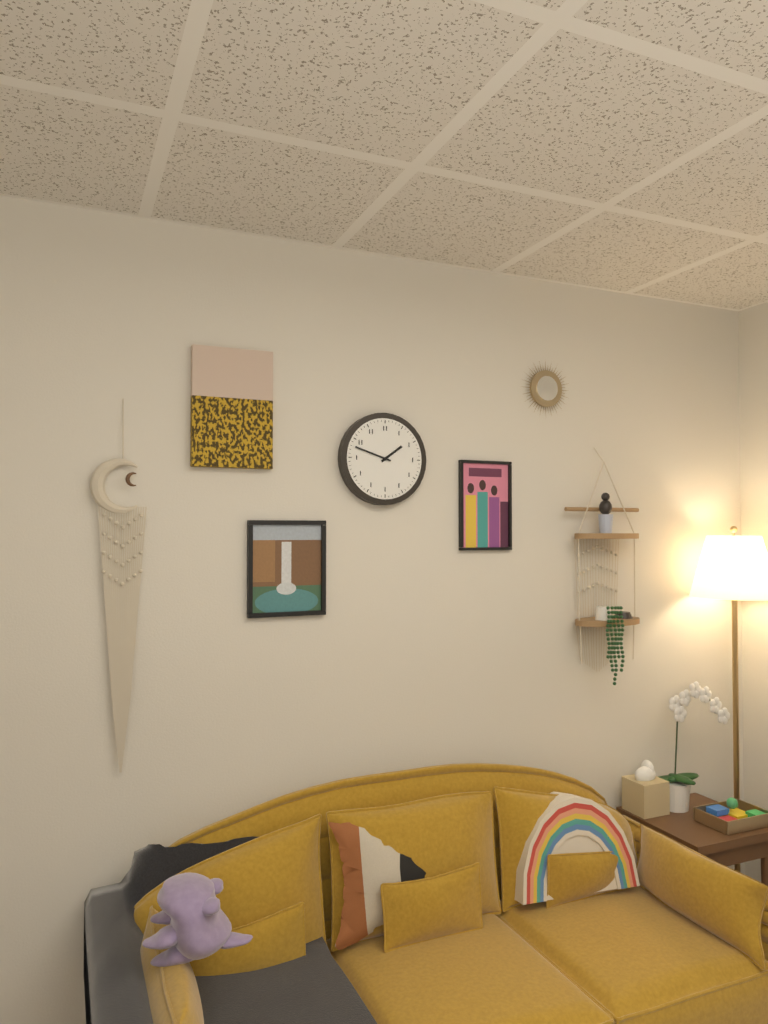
{"hour": 1, "minute": 48}
